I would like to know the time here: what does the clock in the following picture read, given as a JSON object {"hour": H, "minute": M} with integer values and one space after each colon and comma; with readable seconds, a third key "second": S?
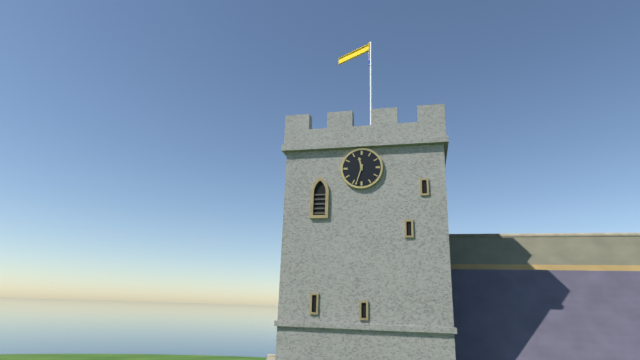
{"hour": 11, "minute": 33}
